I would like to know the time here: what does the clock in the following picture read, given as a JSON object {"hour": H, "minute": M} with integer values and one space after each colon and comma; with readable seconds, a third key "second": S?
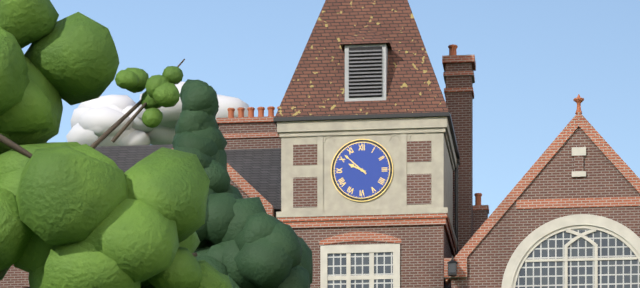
{"hour": 9, "minute": 52}
